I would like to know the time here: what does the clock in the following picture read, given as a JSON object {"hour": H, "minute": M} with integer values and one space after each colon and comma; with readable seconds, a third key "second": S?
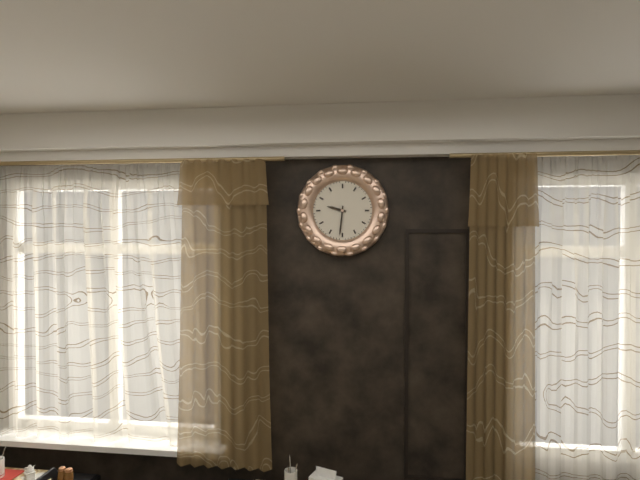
{"hour": 9, "minute": 31}
